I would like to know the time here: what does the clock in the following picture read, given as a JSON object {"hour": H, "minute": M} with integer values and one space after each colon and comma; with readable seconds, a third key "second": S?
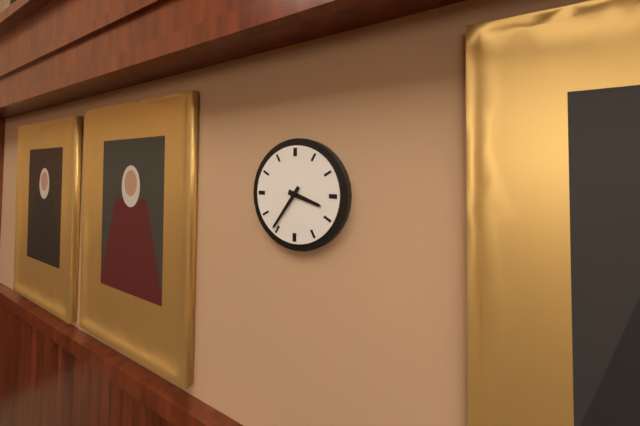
{"hour": 3, "minute": 36}
